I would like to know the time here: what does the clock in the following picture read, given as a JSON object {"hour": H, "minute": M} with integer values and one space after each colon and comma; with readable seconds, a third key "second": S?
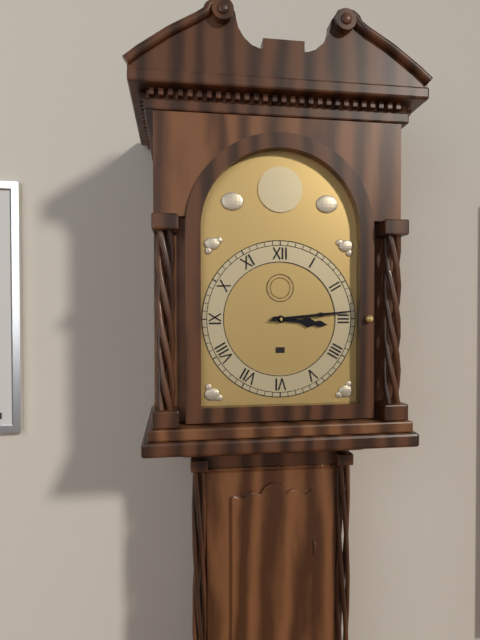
{"hour": 3, "minute": 14}
